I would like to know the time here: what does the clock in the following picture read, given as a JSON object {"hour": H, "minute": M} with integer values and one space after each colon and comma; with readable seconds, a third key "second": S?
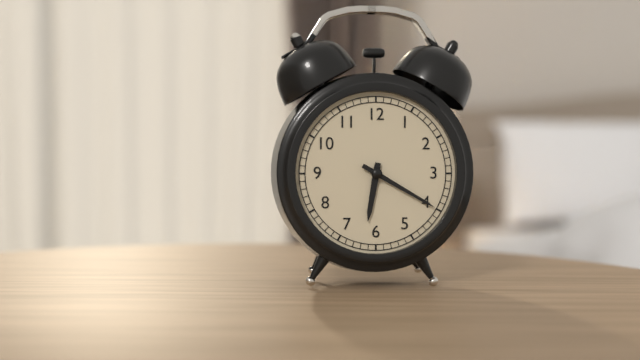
{"hour": 6, "minute": 20}
